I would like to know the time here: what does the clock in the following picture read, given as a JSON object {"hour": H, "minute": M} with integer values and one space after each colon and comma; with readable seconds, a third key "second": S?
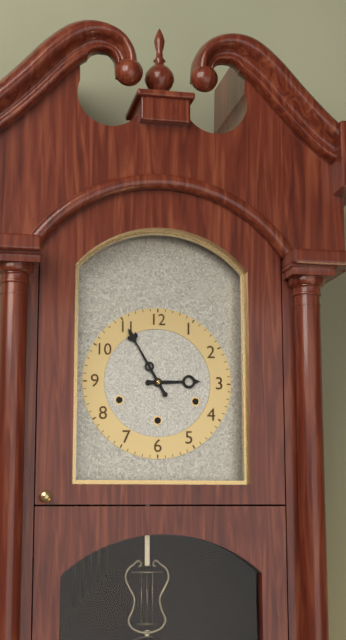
{"hour": 2, "minute": 55}
